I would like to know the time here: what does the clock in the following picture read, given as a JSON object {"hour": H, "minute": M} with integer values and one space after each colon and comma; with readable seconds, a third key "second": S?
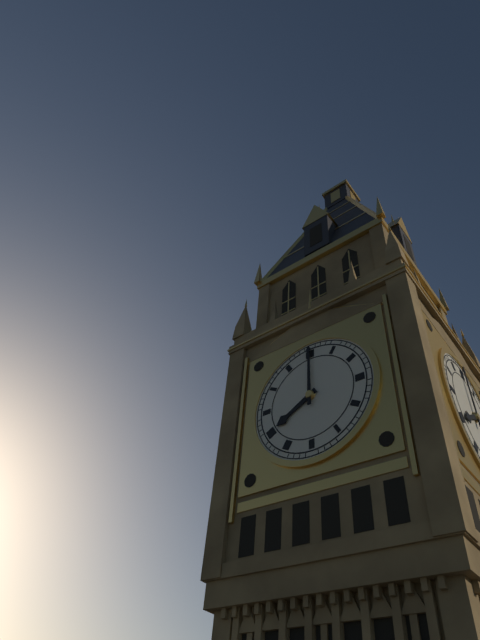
{"hour": 8, "minute": 0}
